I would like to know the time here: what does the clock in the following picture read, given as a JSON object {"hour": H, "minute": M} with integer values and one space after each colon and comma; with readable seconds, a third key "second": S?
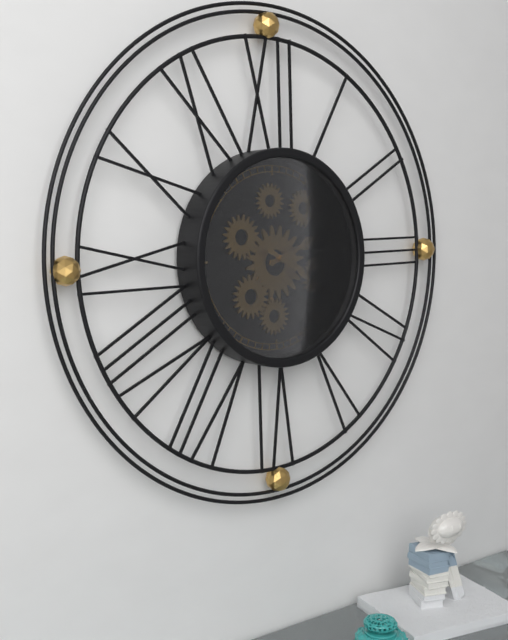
{"hour": 2, "minute": 20}
